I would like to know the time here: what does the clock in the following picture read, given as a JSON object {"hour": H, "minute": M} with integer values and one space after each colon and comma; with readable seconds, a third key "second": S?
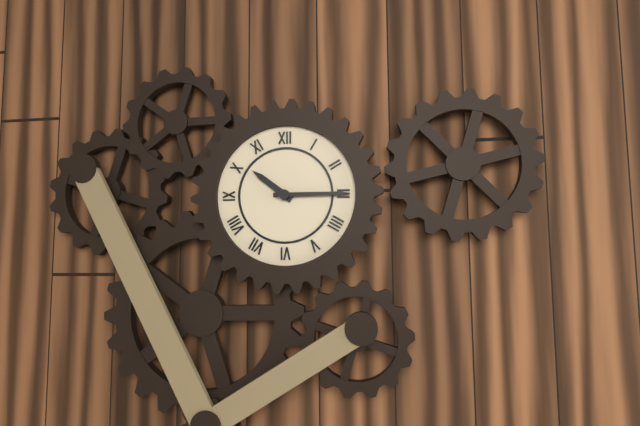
{"hour": 10, "minute": 15}
